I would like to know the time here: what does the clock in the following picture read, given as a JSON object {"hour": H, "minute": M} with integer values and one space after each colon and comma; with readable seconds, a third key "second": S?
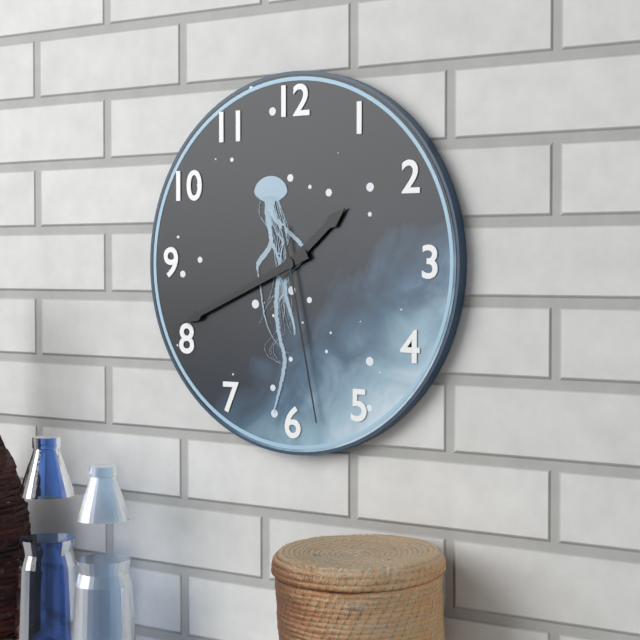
{"hour": 1, "minute": 41, "second": 28}
